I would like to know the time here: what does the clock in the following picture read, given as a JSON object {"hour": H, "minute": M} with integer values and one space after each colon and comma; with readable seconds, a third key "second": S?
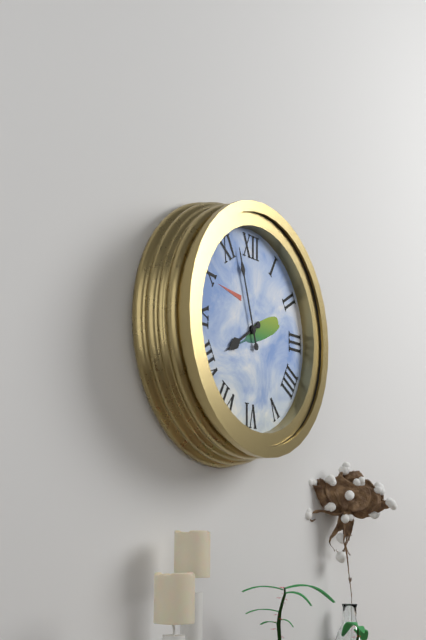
{"hour": 7, "minute": 57}
